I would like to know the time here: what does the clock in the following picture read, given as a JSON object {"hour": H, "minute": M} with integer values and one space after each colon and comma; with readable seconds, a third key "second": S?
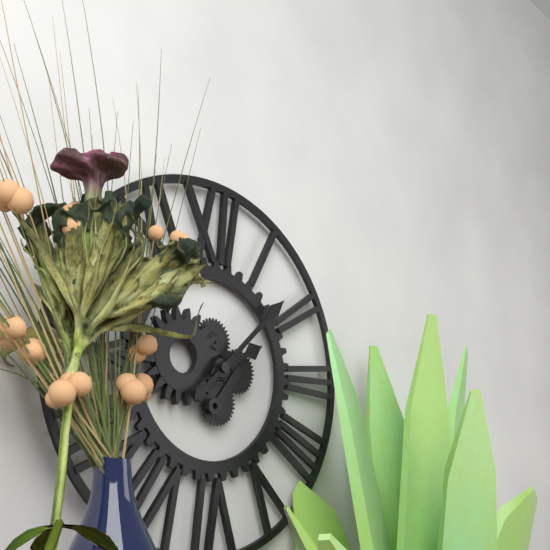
{"hour": 2, "minute": 8}
